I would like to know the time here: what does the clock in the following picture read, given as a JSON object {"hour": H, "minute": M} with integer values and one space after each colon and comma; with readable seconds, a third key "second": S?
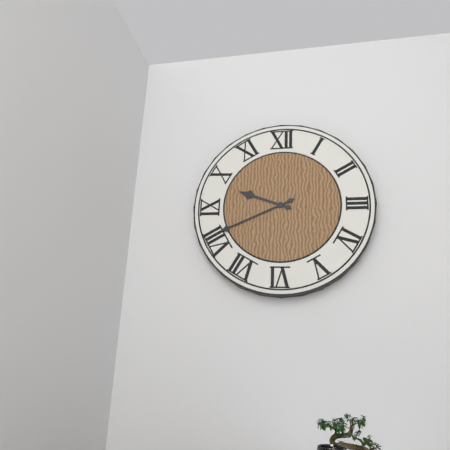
{"hour": 9, "minute": 41}
